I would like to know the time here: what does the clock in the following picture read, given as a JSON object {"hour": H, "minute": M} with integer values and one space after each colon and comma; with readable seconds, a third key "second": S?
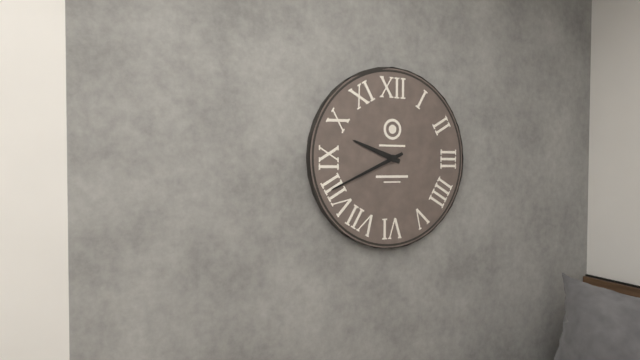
{"hour": 9, "minute": 41}
